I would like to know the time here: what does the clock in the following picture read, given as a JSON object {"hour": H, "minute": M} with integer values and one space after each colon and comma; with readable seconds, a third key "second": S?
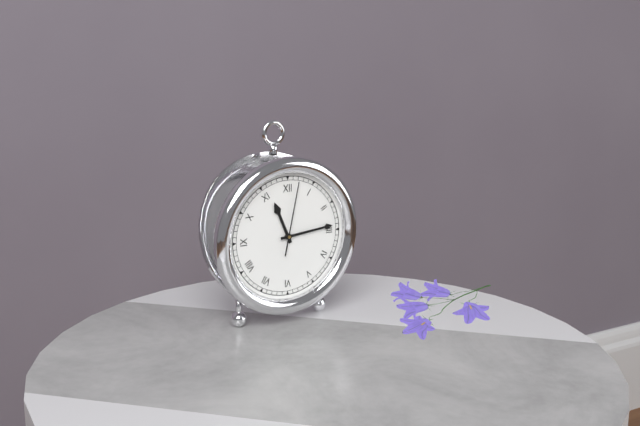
{"hour": 11, "minute": 14, "second": 2}
